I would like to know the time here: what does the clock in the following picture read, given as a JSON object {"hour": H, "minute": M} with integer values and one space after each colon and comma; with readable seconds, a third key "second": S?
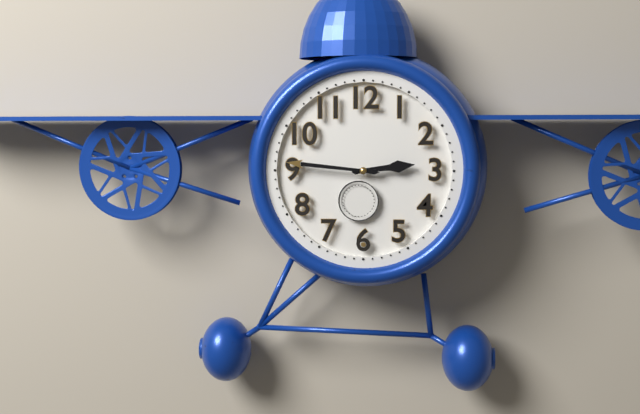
{"hour": 2, "minute": 46}
